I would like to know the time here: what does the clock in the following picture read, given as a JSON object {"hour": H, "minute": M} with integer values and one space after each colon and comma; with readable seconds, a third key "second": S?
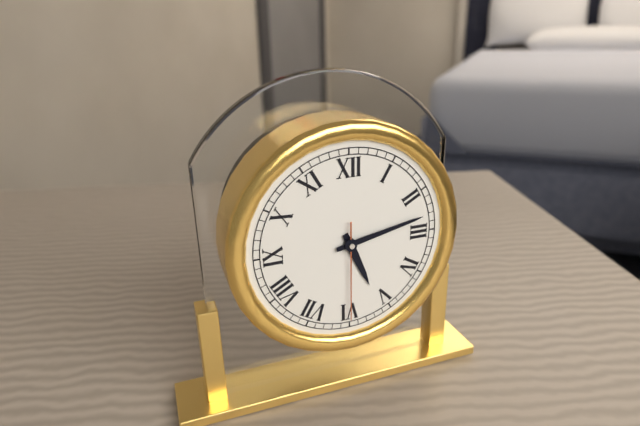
{"hour": 5, "minute": 13, "second": 30}
